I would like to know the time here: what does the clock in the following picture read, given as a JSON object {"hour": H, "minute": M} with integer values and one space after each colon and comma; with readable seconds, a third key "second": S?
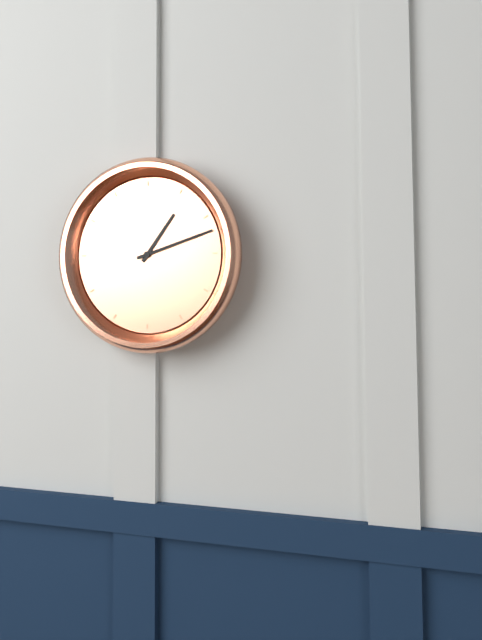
{"hour": 1, "minute": 12}
